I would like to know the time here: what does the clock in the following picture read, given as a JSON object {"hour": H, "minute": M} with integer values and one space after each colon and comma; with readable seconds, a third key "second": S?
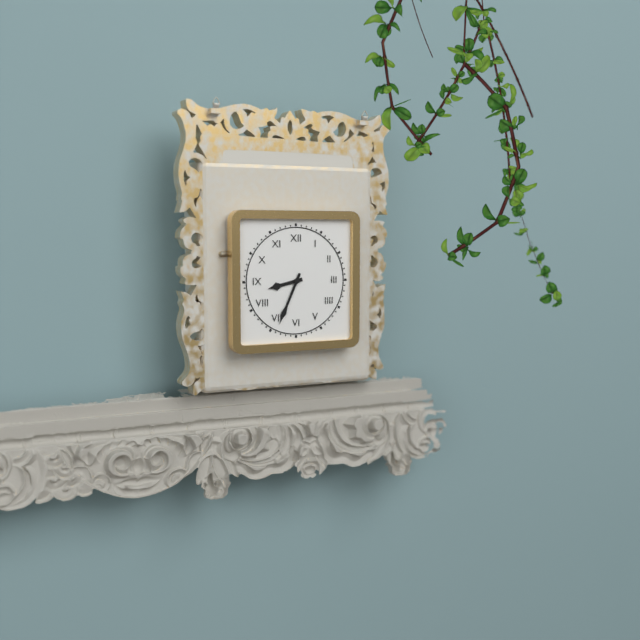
{"hour": 8, "minute": 34}
